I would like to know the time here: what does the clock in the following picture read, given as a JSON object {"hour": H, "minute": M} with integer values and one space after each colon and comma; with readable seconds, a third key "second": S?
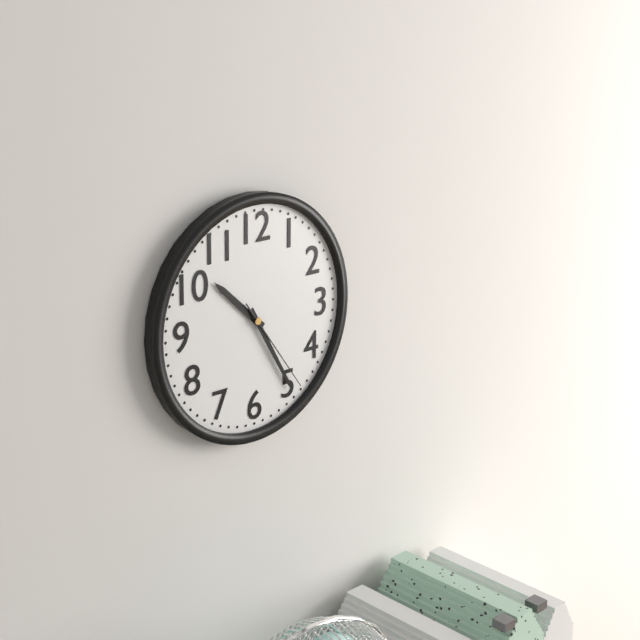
{"hour": 10, "minute": 25, "second": 24}
